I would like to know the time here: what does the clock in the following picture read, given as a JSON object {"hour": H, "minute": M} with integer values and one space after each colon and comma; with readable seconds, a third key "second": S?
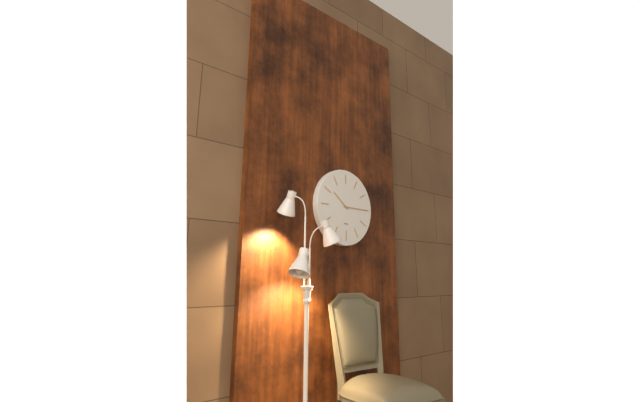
{"hour": 10, "minute": 15}
